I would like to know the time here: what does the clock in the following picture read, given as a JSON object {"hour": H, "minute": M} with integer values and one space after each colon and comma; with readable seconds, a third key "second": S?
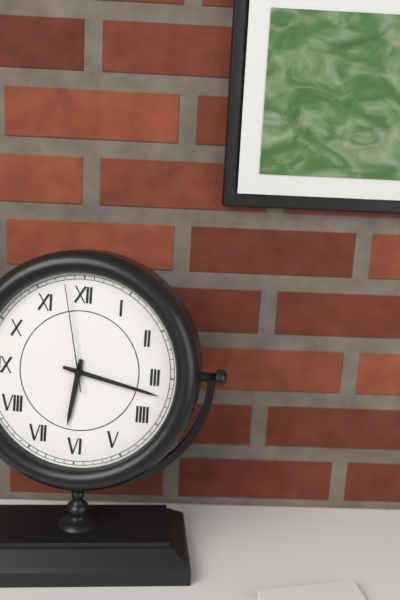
{"hour": 6, "minute": 17, "second": 58}
